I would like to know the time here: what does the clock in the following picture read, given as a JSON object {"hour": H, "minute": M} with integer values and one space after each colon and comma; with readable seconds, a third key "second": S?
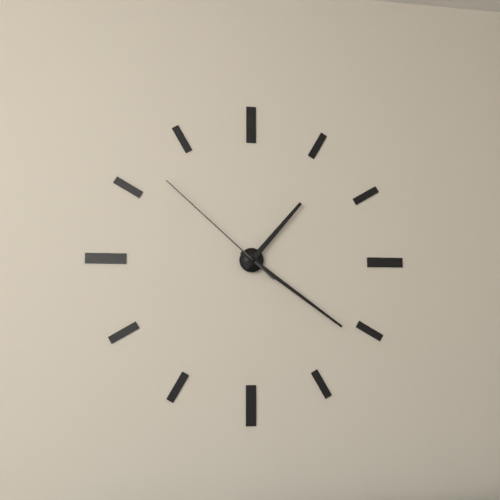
{"hour": 1, "minute": 21, "second": 52}
